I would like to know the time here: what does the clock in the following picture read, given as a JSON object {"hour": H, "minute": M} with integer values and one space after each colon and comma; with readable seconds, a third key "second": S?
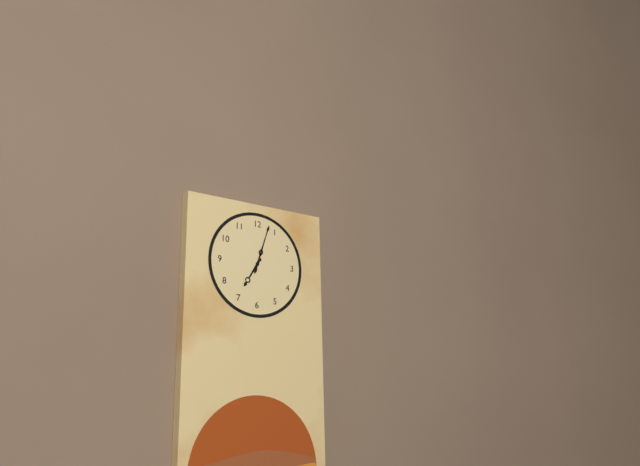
{"hour": 7, "minute": 3}
